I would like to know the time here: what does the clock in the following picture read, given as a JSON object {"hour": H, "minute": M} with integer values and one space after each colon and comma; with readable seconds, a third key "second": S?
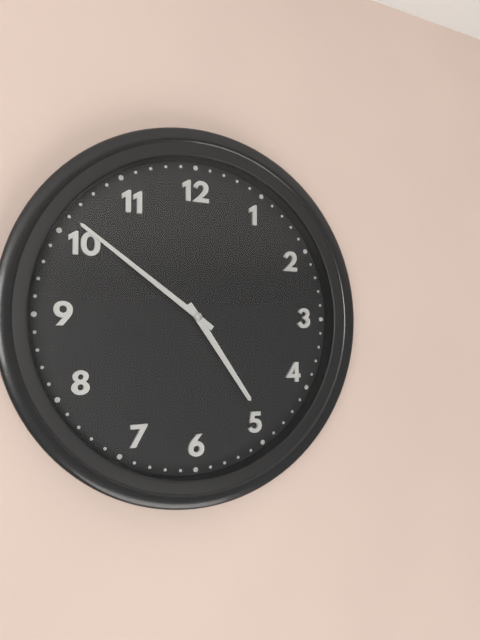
{"hour": 4, "minute": 51}
